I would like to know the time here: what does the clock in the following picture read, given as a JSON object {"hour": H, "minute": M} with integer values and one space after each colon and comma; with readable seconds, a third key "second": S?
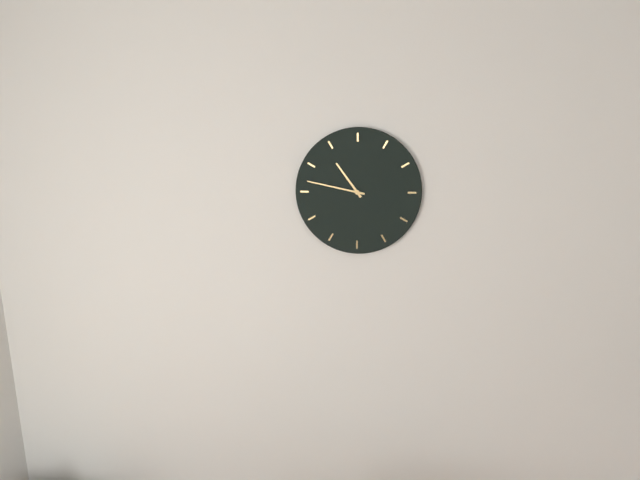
{"hour": 10, "minute": 47}
